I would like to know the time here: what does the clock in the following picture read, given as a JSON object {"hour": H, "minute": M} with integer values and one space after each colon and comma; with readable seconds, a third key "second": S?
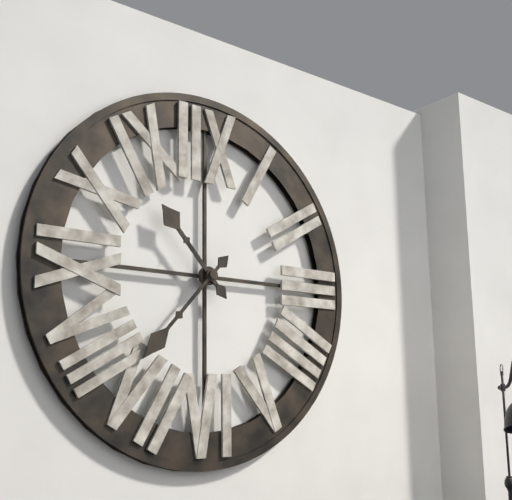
{"hour": 10, "minute": 37}
